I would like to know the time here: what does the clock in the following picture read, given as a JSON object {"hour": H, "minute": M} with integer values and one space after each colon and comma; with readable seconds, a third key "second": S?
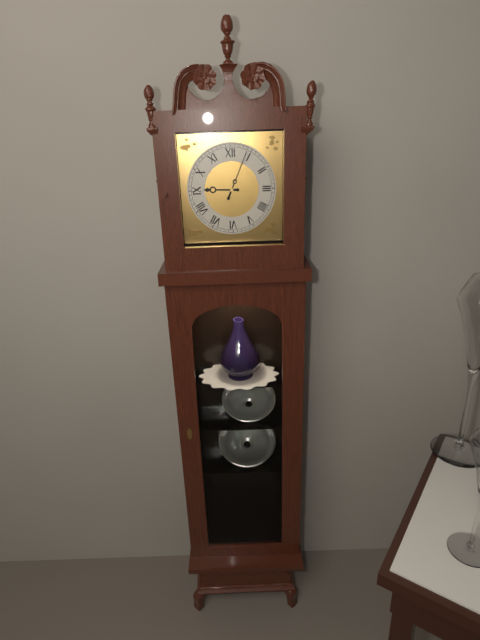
{"hour": 9, "minute": 4}
